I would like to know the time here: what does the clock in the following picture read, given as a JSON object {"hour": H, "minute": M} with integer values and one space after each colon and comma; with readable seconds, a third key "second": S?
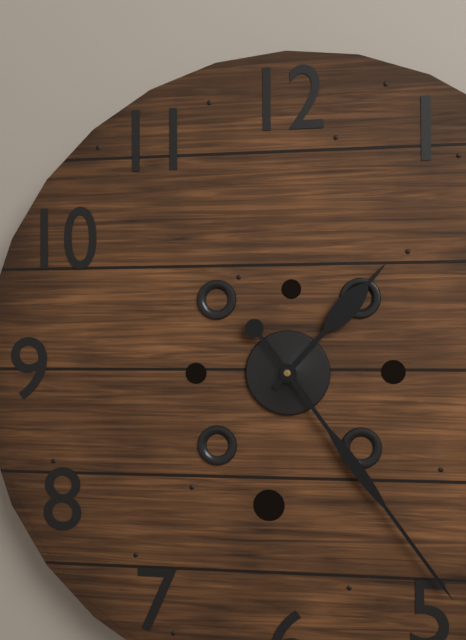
{"hour": 1, "minute": 24}
